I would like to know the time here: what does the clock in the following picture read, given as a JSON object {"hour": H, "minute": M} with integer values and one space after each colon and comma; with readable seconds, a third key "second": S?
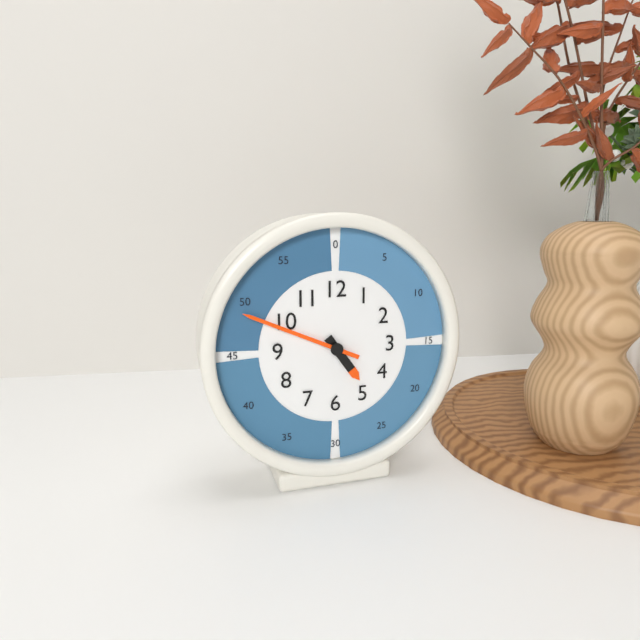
{"hour": 4, "minute": 49}
